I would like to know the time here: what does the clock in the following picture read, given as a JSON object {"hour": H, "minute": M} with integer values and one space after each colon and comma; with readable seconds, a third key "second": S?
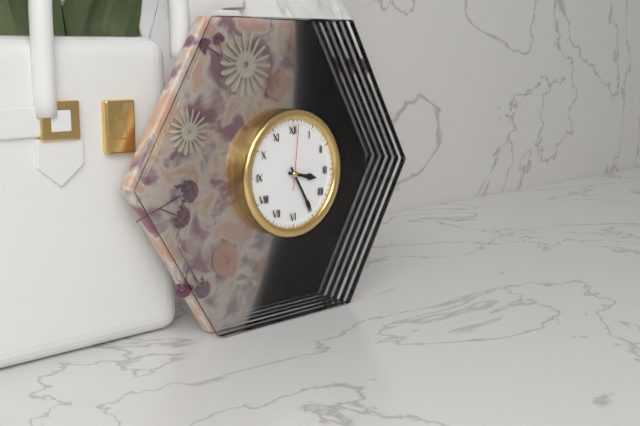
{"hour": 3, "minute": 25, "second": 1}
